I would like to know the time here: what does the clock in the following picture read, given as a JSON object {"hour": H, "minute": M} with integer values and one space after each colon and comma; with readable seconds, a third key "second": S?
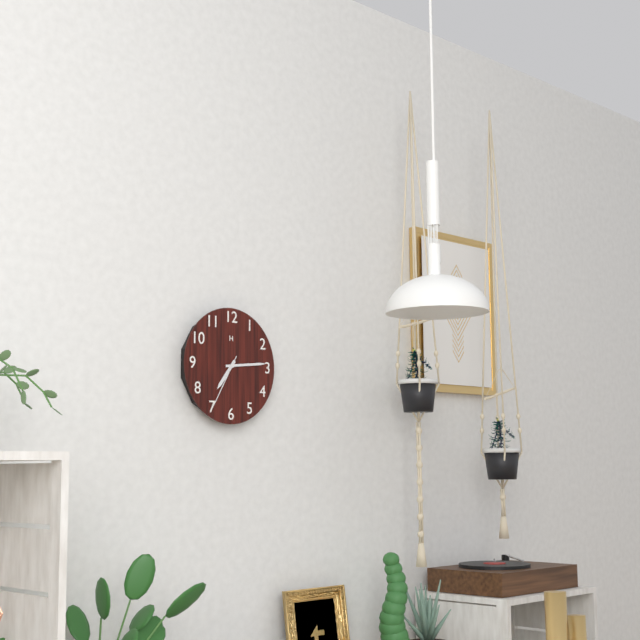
{"hour": 7, "minute": 14, "second": 35}
